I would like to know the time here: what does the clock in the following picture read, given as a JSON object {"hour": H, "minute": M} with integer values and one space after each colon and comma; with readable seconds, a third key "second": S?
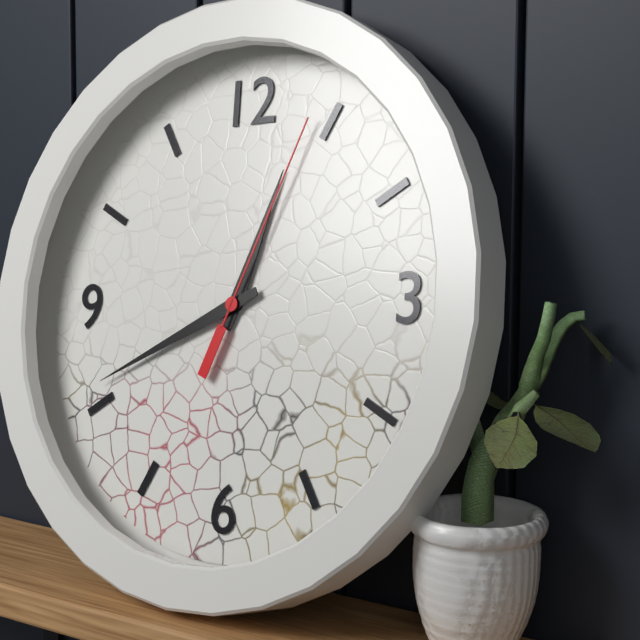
{"hour": 12, "minute": 41, "second": 4}
